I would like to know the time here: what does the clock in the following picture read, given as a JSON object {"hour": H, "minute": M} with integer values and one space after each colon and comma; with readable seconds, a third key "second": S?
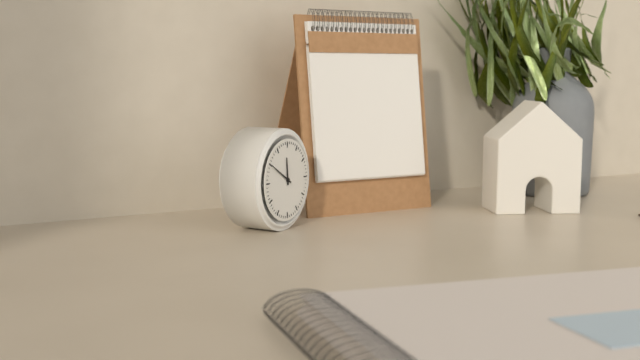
{"hour": 11, "minute": 50}
